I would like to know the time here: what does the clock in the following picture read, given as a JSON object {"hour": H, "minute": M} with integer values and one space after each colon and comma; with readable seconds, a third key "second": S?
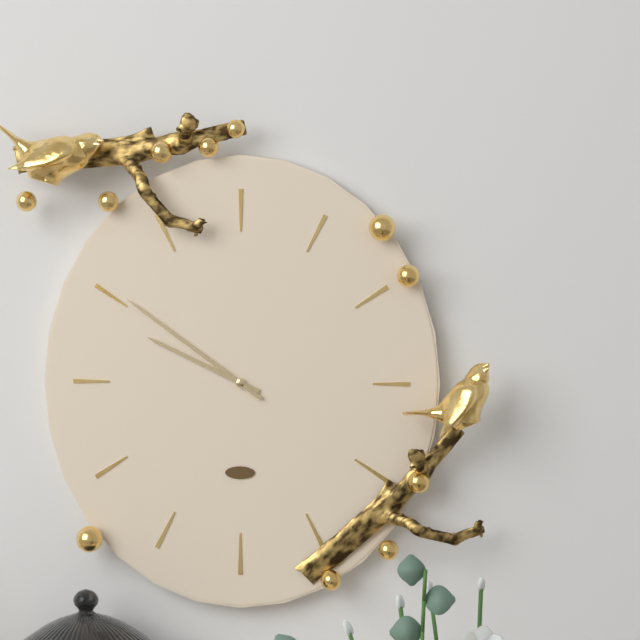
{"hour": 9, "minute": 51}
